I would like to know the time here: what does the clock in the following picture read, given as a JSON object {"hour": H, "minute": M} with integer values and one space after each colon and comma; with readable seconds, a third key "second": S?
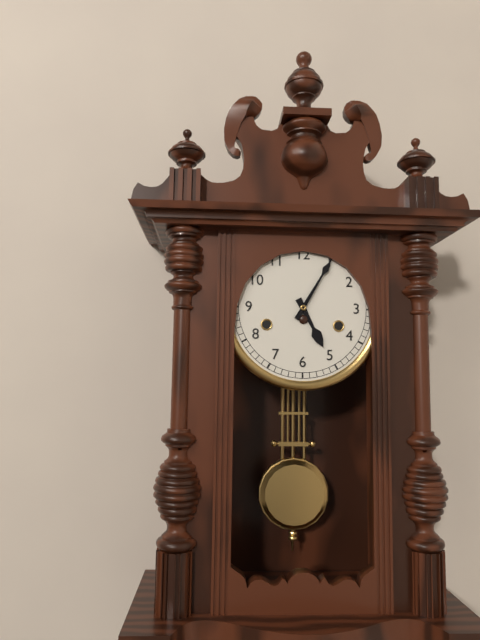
{"hour": 5, "minute": 5}
